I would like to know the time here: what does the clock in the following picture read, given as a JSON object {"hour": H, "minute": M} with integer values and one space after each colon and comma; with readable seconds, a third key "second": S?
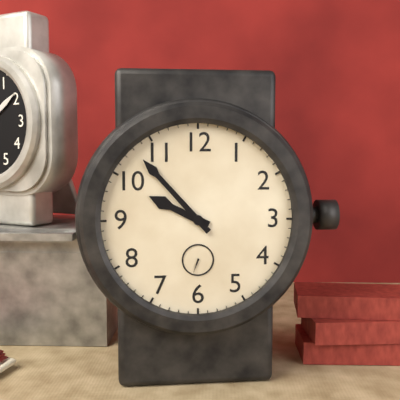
{"hour": 9, "minute": 53}
